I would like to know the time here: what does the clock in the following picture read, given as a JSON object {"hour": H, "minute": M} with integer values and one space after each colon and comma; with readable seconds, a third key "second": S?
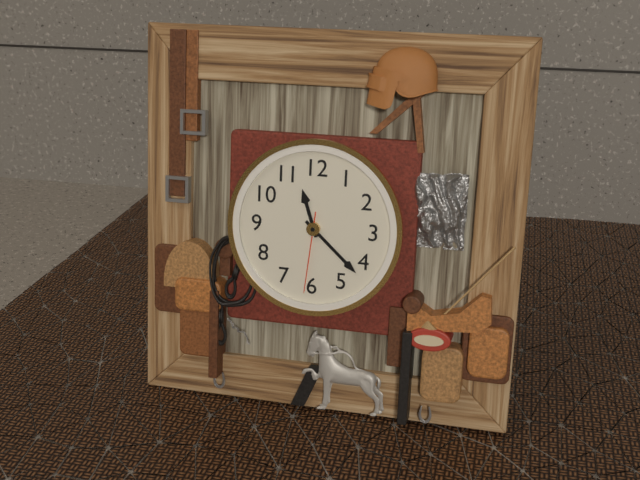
{"hour": 11, "minute": 22, "second": 31}
